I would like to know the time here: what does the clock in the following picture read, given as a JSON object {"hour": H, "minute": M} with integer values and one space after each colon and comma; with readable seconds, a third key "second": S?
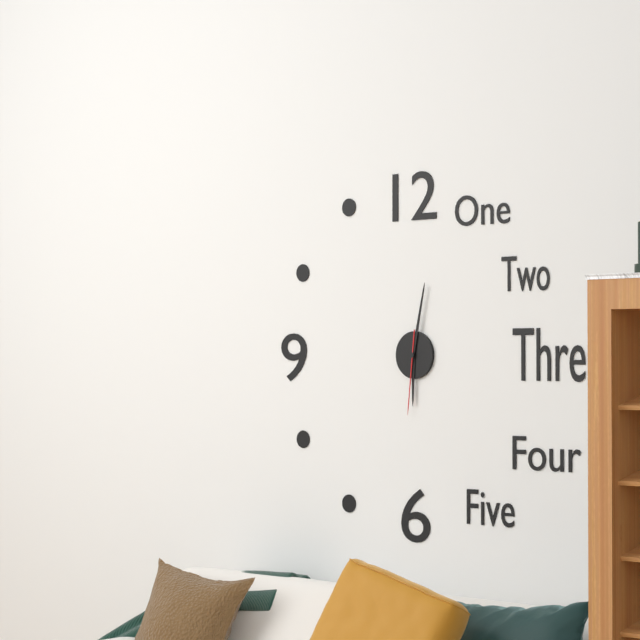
{"hour": 6, "minute": 2, "second": 31}
